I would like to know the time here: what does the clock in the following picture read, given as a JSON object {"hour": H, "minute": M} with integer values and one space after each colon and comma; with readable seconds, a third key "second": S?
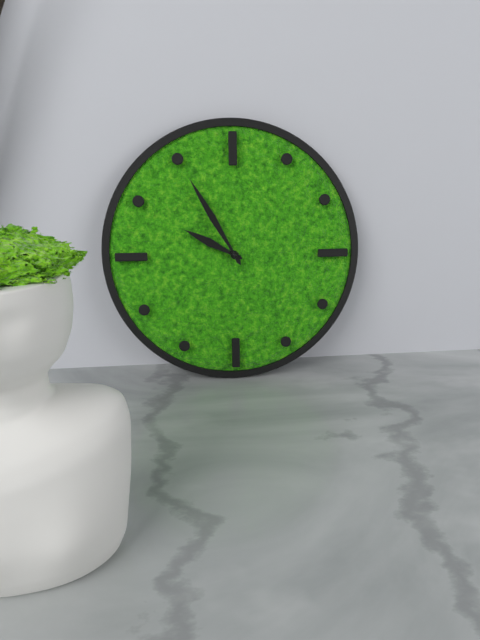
{"hour": 9, "minute": 55}
